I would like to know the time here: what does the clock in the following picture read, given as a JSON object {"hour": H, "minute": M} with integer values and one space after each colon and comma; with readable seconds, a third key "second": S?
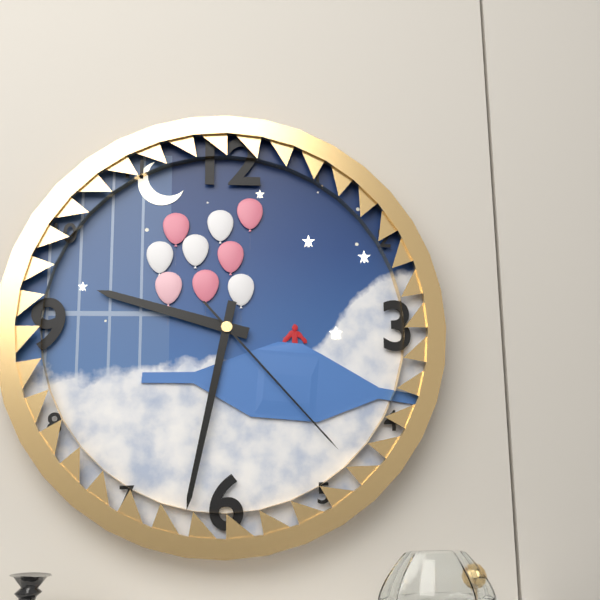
{"hour": 9, "minute": 32, "second": 23}
